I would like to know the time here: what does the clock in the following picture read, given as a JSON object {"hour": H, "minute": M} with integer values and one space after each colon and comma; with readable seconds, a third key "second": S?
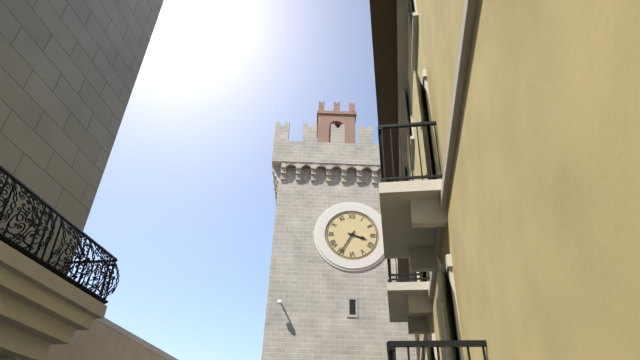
{"hour": 3, "minute": 35}
